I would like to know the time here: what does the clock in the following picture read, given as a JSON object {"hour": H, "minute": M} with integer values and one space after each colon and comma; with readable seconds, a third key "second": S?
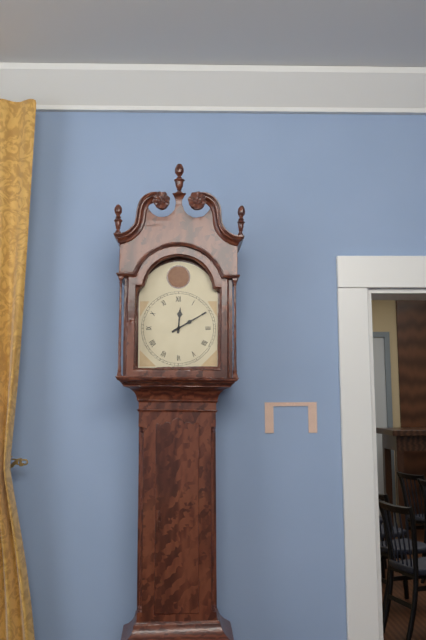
{"hour": 12, "minute": 10}
